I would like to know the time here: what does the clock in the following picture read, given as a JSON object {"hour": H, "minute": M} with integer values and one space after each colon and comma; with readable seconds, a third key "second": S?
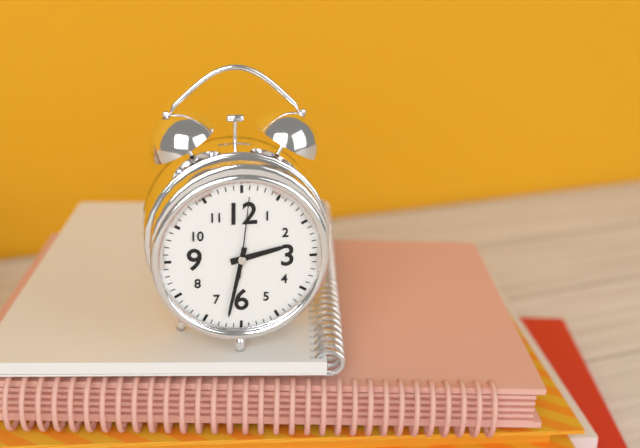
{"hour": 2, "minute": 32, "second": 1}
